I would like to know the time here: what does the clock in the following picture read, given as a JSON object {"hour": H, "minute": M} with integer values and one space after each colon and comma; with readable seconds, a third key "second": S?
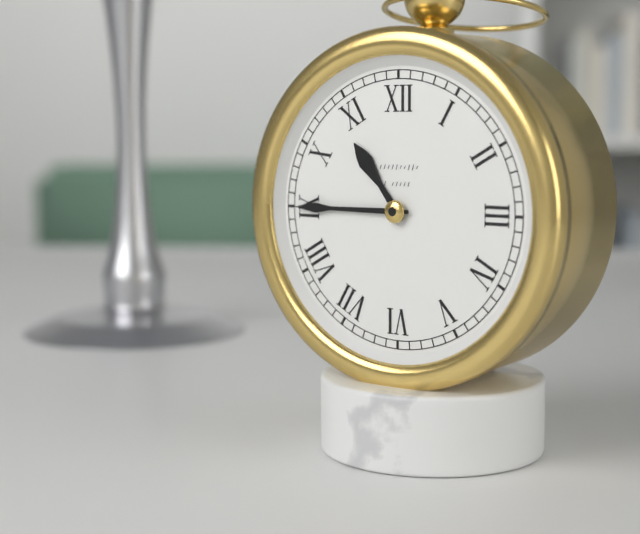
{"hour": 10, "minute": 45}
